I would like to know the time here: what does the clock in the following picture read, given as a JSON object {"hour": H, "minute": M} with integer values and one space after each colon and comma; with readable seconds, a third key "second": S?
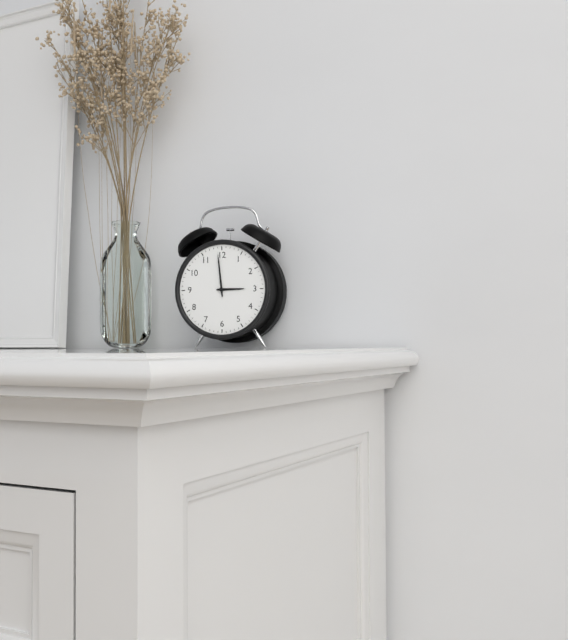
{"hour": 2, "minute": 59}
